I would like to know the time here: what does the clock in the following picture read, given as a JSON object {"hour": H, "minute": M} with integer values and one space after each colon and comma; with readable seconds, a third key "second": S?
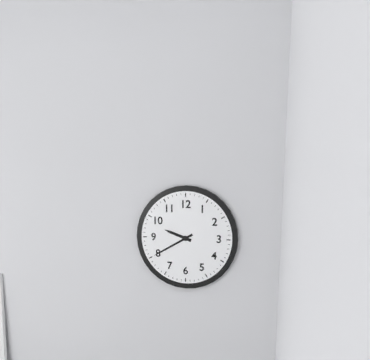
{"hour": 9, "minute": 40}
